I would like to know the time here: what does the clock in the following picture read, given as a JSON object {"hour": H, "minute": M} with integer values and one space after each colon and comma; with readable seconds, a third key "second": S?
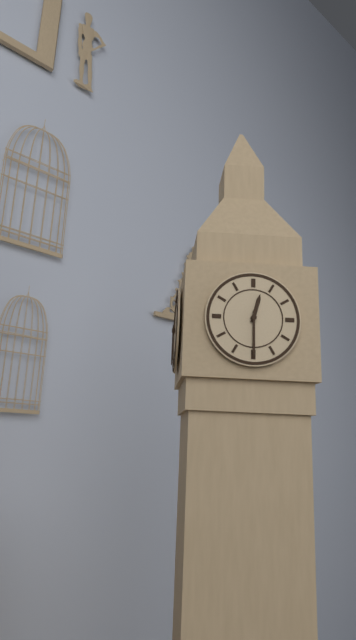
{"hour": 12, "minute": 30}
